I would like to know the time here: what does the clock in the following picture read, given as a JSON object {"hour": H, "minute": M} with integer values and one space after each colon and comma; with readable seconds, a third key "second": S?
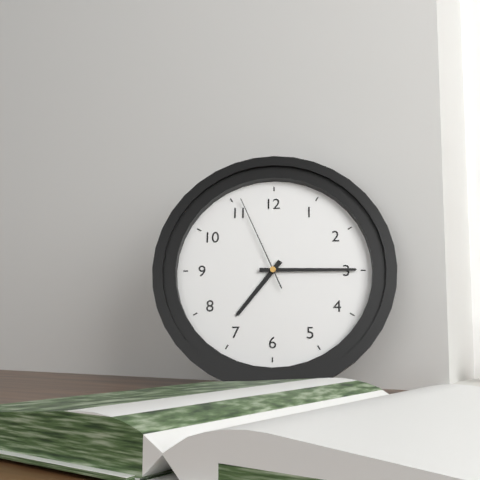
{"hour": 7, "minute": 15, "second": 56}
